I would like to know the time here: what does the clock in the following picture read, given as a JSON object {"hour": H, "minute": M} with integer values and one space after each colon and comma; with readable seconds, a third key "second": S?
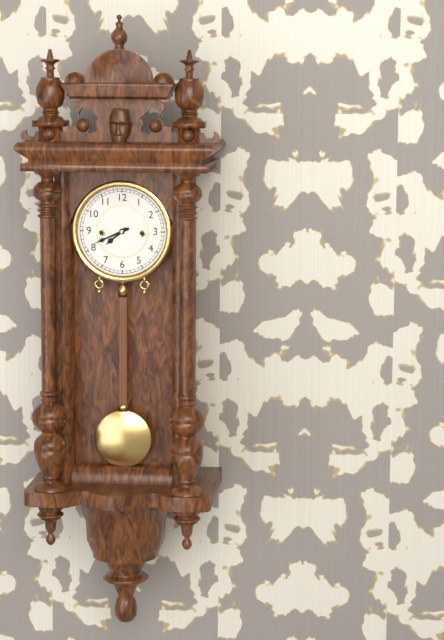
{"hour": 7, "minute": 41}
